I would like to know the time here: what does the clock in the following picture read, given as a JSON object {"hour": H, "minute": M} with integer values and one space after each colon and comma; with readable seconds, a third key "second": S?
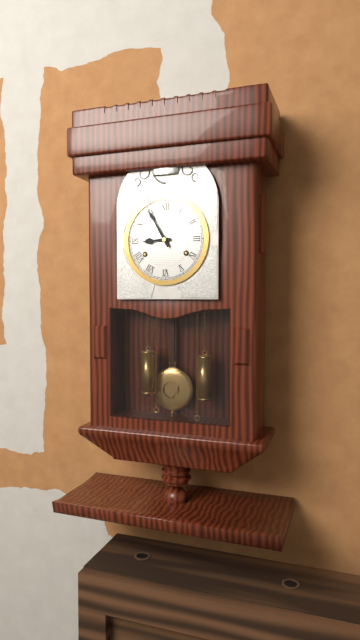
{"hour": 8, "minute": 55}
